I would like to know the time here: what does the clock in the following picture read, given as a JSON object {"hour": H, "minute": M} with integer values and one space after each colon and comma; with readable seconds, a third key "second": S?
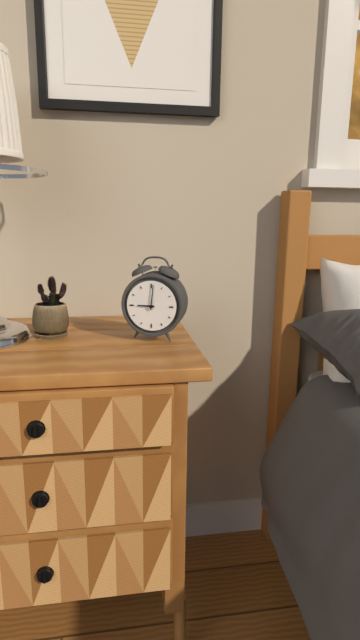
{"hour": 9, "minute": 1}
